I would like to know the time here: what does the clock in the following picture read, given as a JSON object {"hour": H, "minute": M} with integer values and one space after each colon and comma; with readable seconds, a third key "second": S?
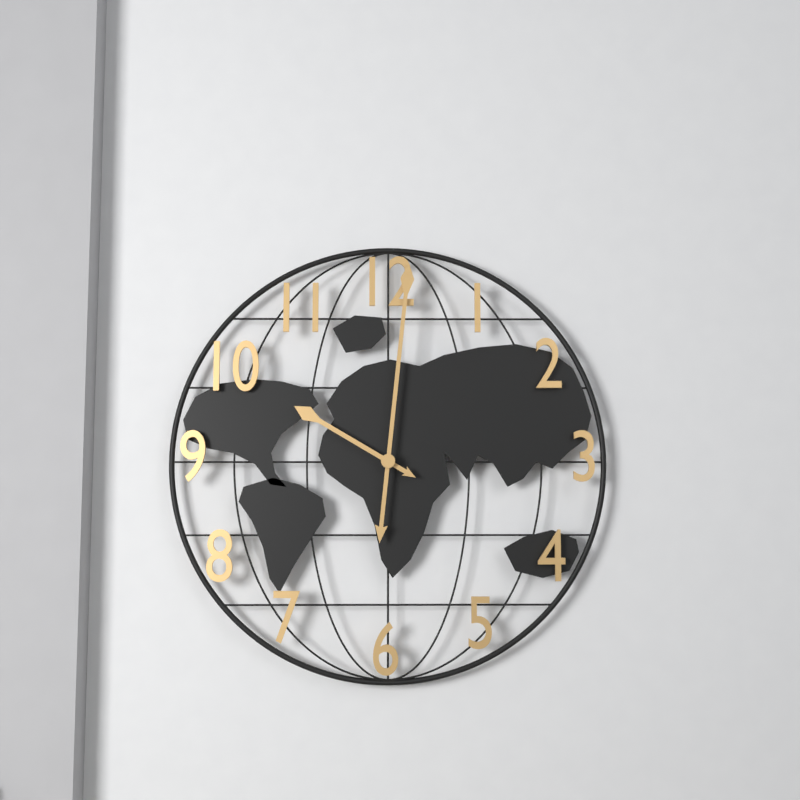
{"hour": 10, "minute": 1}
